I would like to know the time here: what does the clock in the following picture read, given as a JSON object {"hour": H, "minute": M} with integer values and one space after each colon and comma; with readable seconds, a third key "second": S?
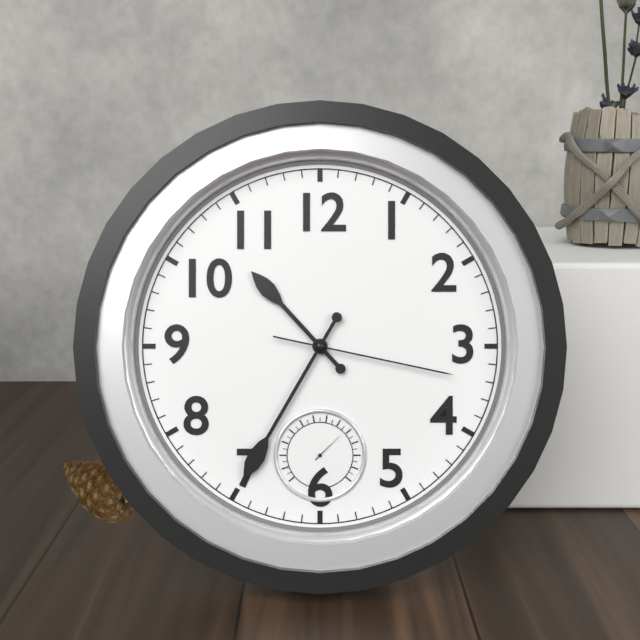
{"hour": 10, "minute": 35, "second": 17}
